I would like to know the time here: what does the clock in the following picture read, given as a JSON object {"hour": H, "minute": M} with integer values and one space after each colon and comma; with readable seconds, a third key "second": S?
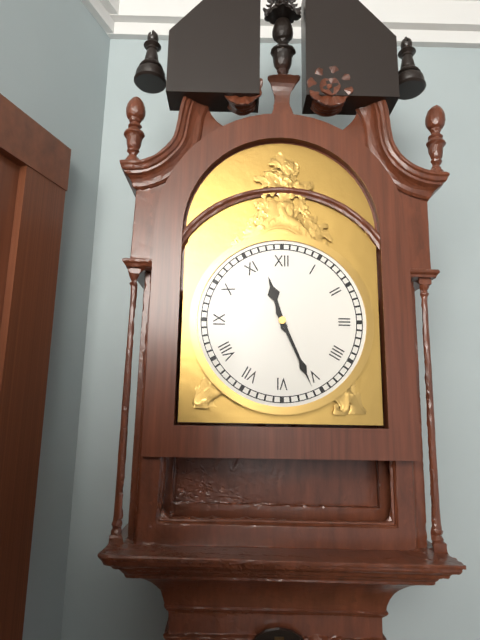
{"hour": 11, "minute": 26}
